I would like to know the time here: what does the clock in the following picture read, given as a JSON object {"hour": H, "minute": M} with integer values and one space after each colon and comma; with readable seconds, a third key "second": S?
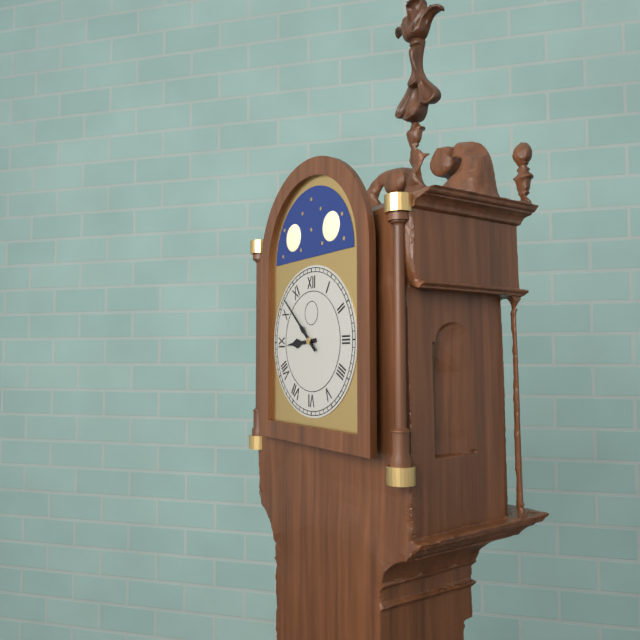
{"hour": 8, "minute": 52}
